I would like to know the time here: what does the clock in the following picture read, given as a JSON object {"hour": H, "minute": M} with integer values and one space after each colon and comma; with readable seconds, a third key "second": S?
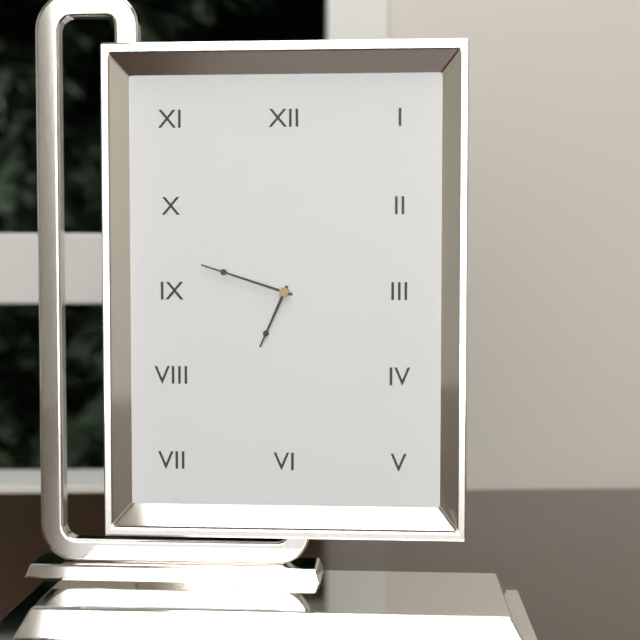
{"hour": 6, "minute": 48}
